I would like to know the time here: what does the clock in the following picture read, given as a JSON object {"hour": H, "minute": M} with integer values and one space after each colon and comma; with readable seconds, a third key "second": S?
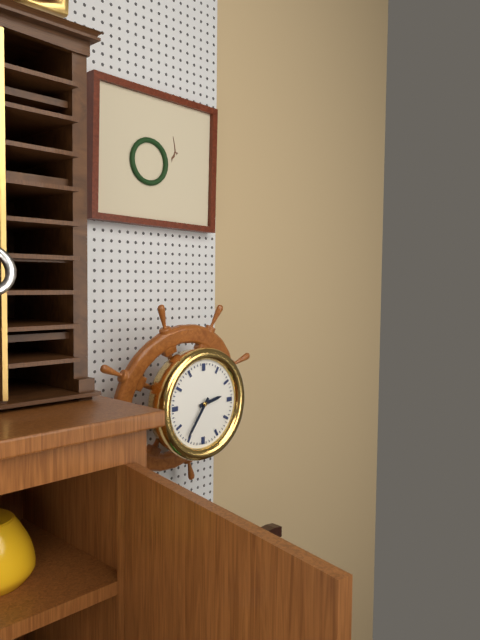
{"hour": 2, "minute": 36}
